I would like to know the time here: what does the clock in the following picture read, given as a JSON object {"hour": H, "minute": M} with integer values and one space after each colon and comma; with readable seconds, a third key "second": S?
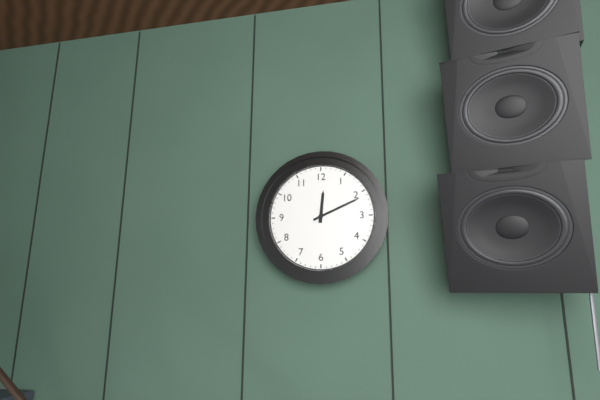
{"hour": 12, "minute": 11}
